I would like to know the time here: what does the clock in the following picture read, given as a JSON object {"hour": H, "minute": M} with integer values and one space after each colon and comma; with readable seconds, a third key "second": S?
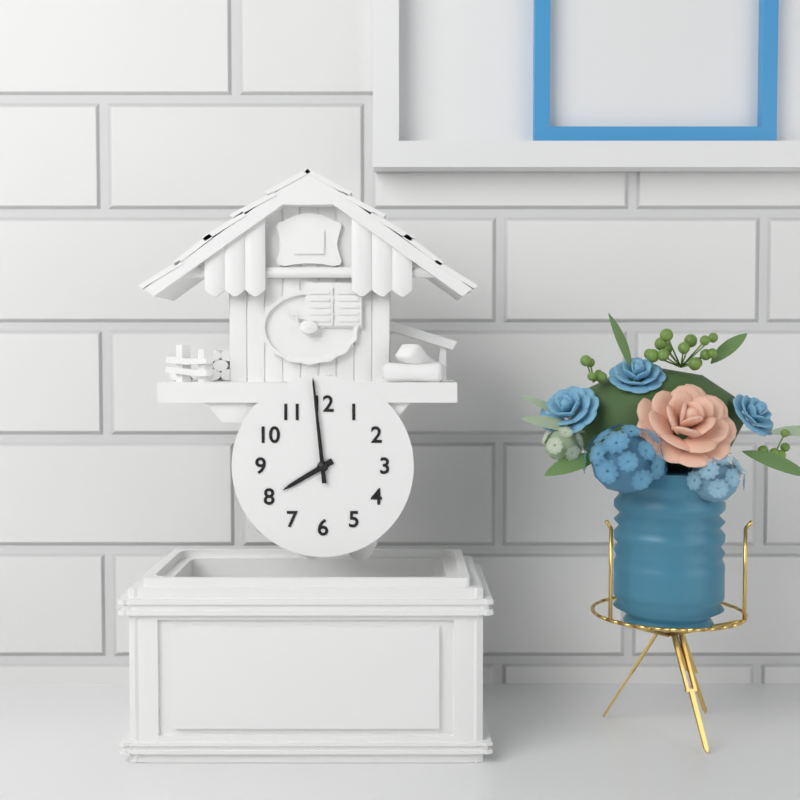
{"hour": 7, "minute": 59}
